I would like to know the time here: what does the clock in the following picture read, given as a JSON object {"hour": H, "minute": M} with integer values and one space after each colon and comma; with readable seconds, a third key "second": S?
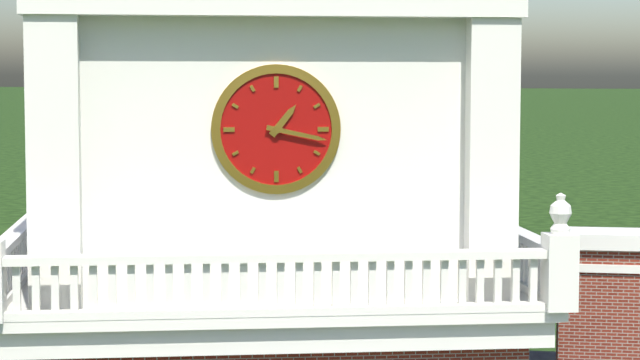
{"hour": 1, "minute": 17}
